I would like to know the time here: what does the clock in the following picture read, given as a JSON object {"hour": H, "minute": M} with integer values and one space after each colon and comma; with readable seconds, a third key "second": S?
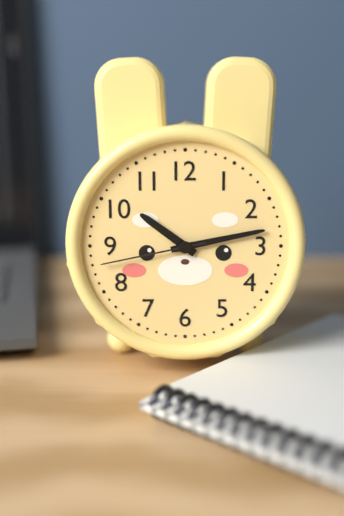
{"hour": 10, "minute": 13, "second": 43}
